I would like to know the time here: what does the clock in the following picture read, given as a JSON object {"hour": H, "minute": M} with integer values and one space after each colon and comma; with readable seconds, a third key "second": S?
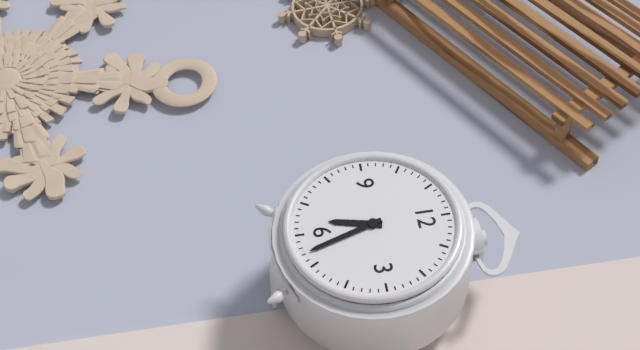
{"hour": 6, "minute": 27}
